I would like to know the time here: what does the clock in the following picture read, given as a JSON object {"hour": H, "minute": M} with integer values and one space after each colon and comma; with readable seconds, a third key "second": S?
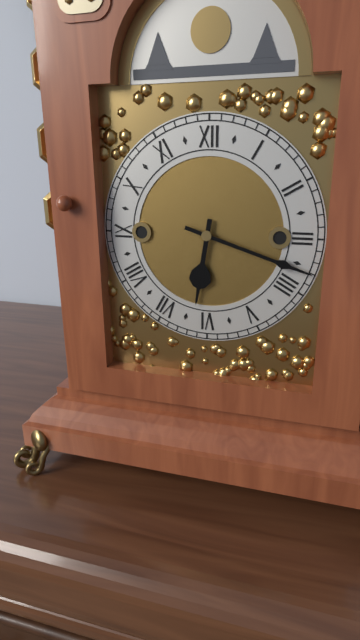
{"hour": 6, "minute": 18}
